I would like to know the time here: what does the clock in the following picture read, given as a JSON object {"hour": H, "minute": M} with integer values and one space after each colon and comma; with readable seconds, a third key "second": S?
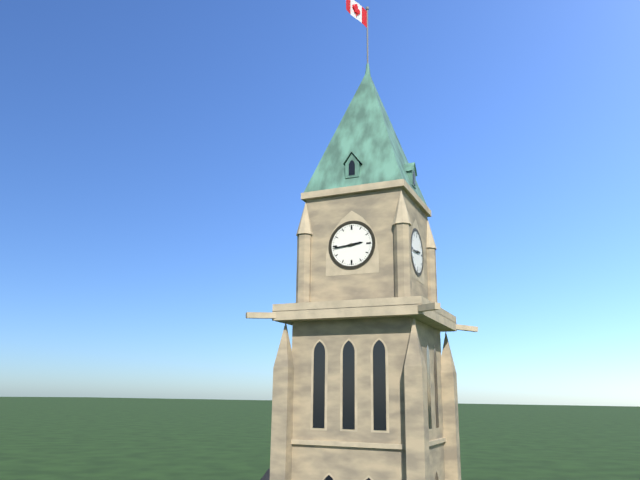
{"hour": 2, "minute": 44}
